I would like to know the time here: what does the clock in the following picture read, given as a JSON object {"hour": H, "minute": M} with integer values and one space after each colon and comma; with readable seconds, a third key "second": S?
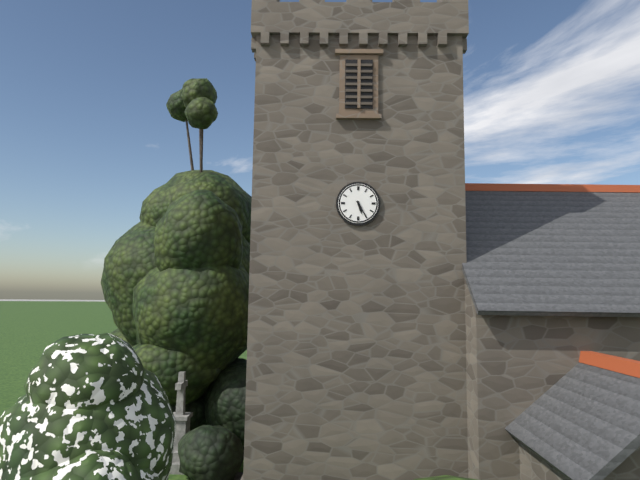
{"hour": 5, "minute": 25}
